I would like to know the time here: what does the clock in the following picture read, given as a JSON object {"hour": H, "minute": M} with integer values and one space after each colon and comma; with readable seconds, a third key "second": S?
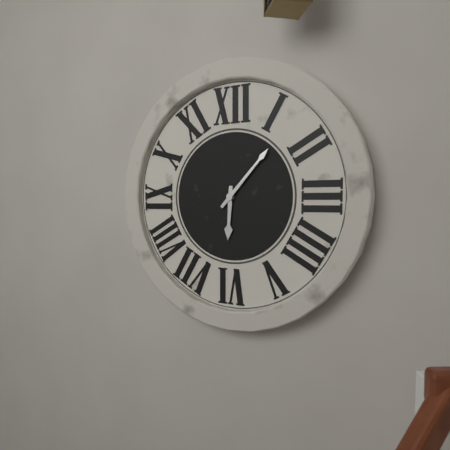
{"hour": 6, "minute": 7}
